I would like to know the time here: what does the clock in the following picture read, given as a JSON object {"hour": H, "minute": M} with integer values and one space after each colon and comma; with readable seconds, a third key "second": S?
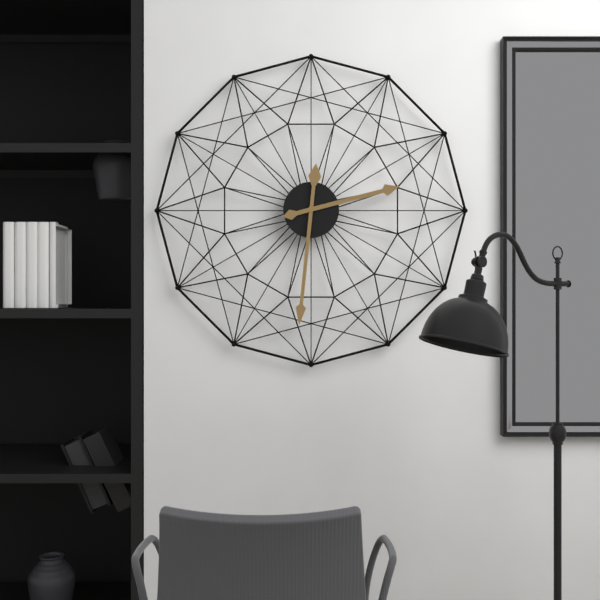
{"hour": 2, "minute": 31}
